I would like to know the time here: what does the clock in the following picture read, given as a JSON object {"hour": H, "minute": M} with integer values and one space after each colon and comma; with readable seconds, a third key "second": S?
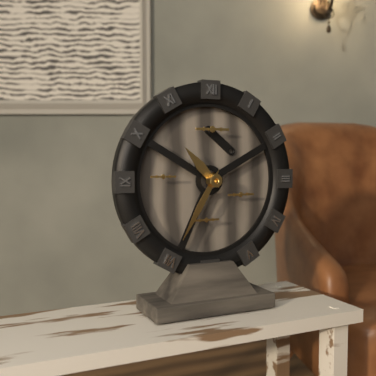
{"hour": 10, "minute": 35}
